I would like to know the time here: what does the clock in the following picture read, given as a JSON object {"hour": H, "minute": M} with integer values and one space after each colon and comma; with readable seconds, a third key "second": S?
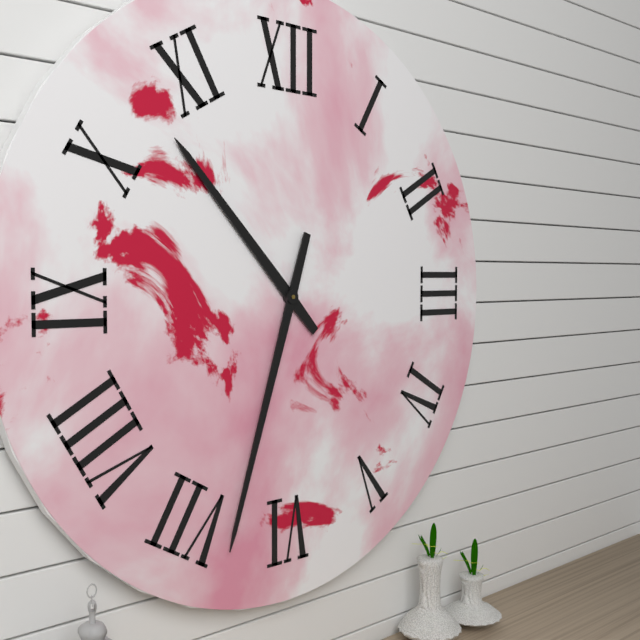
{"hour": 10, "minute": 33}
